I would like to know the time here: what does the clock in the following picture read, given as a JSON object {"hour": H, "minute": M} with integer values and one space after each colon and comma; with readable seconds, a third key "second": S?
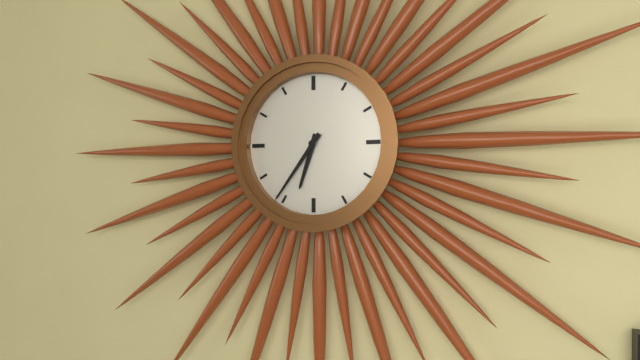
{"hour": 6, "minute": 36}
